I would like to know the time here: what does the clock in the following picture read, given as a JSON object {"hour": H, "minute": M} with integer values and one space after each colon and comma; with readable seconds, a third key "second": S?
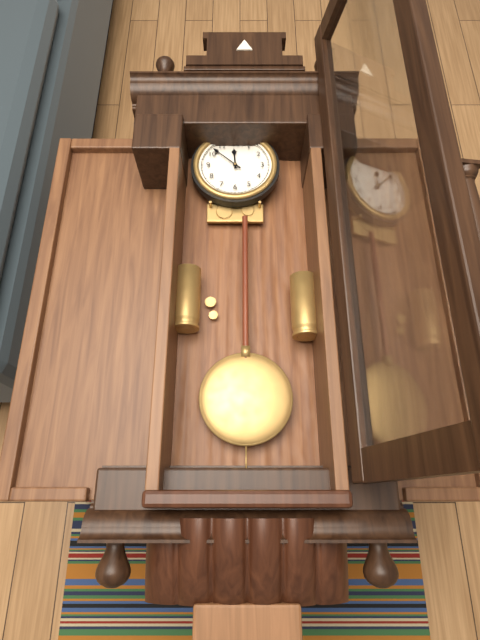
{"hour": 11, "minute": 52}
